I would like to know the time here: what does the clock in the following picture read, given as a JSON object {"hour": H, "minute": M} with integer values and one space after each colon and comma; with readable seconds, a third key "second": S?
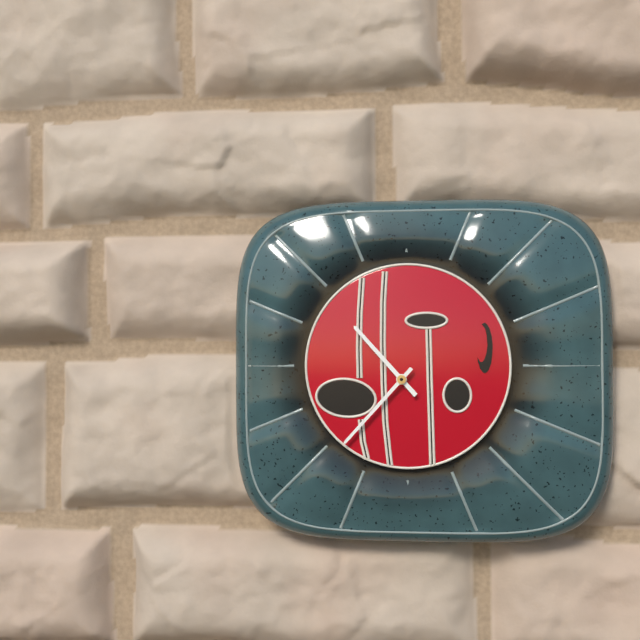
{"hour": 10, "minute": 37}
